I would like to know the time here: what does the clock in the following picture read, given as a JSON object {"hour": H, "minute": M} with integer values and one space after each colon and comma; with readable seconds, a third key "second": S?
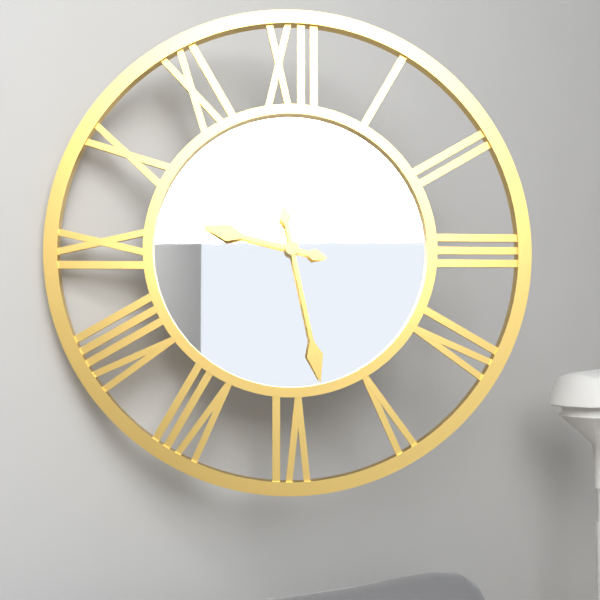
{"hour": 9, "minute": 28}
